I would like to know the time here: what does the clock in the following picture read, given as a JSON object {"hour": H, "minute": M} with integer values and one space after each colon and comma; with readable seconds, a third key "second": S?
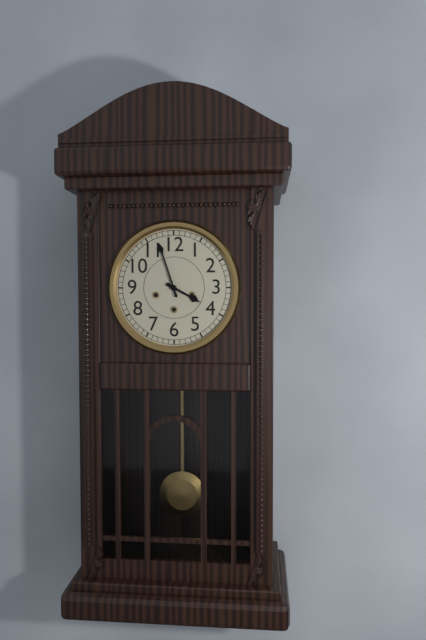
{"hour": 3, "minute": 57}
